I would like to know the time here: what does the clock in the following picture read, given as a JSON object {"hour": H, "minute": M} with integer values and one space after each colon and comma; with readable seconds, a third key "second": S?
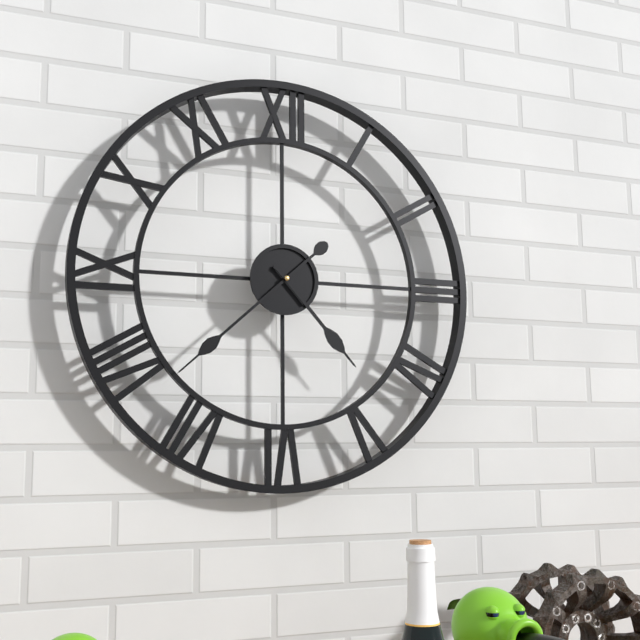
{"hour": 4, "minute": 38}
